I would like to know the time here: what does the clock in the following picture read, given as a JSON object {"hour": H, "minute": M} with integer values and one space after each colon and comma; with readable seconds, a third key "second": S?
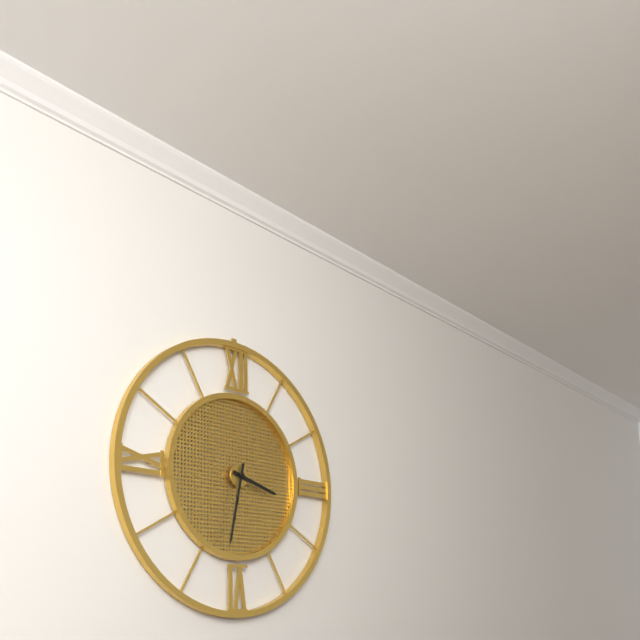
{"hour": 3, "minute": 32}
